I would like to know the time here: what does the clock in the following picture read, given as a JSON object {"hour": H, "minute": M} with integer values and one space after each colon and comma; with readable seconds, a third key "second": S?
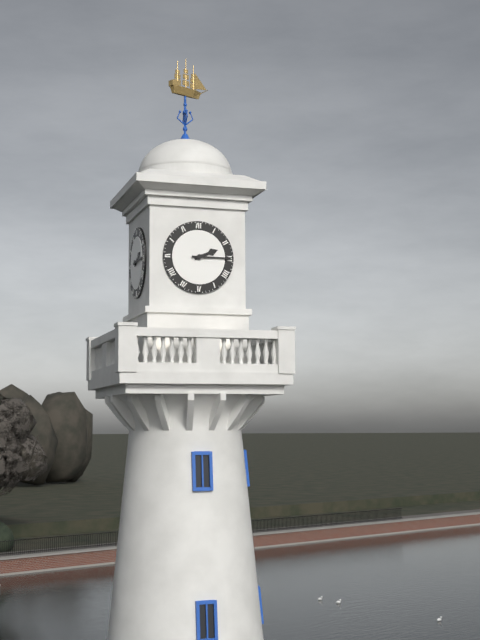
{"hour": 2, "minute": 15}
